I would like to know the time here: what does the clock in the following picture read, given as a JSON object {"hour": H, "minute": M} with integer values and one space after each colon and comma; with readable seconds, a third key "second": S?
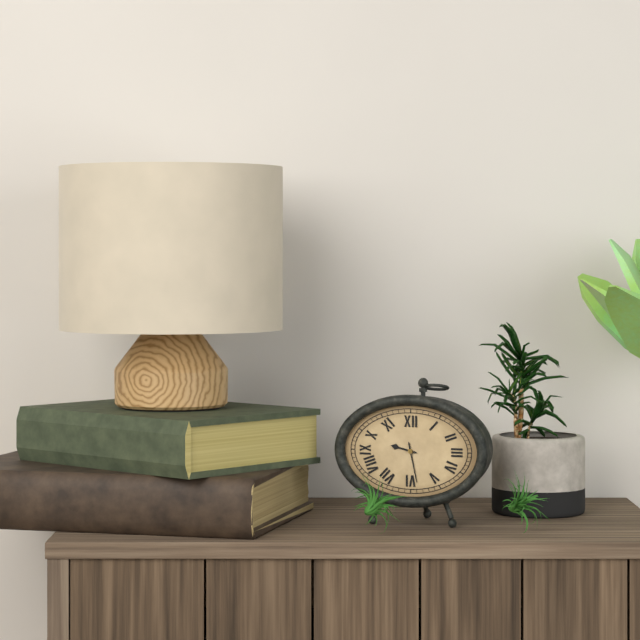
{"hour": 9, "minute": 28}
